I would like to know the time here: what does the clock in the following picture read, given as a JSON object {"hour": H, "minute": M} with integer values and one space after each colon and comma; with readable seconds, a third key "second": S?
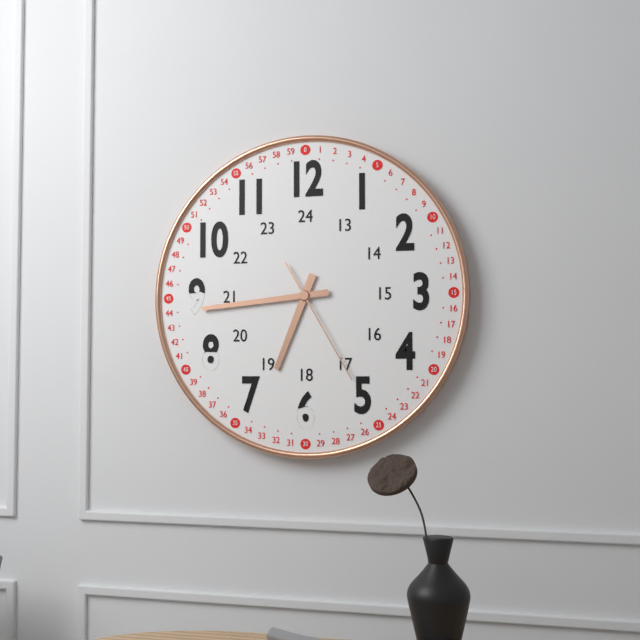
{"hour": 6, "minute": 44, "second": 25}
